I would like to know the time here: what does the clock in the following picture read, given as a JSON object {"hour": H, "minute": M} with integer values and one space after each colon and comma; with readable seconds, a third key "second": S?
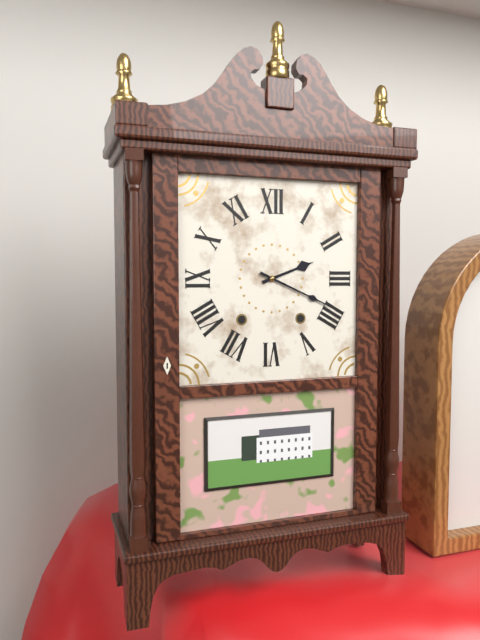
{"hour": 2, "minute": 19}
